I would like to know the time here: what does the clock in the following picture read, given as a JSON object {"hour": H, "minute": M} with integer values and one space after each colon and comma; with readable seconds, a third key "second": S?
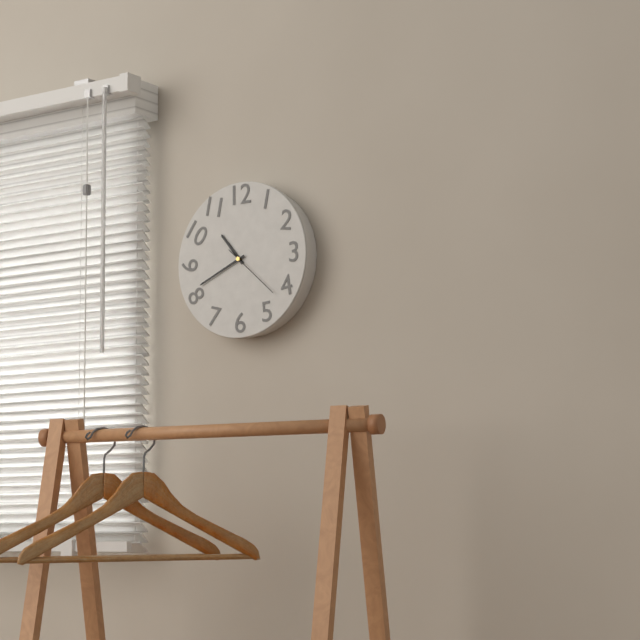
{"hour": 10, "minute": 41, "second": 22}
